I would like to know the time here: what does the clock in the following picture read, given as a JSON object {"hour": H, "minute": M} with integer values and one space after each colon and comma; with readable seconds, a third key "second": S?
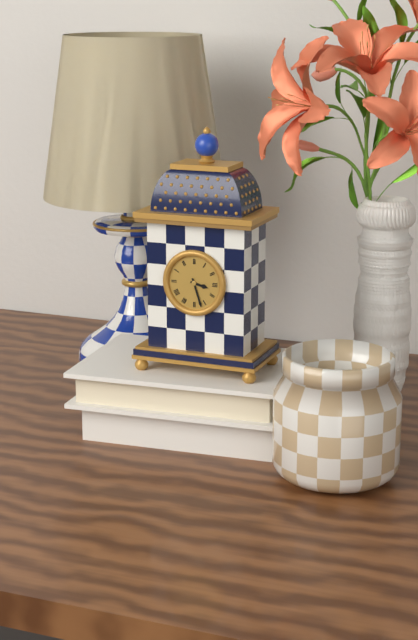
{"hour": 3, "minute": 27}
